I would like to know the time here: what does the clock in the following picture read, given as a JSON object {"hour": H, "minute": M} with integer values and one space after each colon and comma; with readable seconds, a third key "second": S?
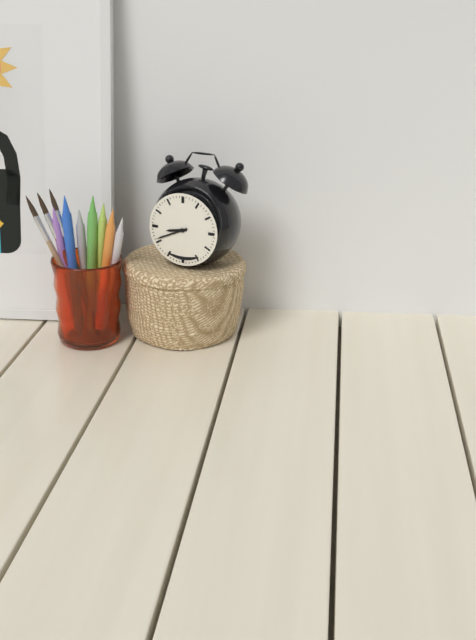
{"hour": 8, "minute": 41}
